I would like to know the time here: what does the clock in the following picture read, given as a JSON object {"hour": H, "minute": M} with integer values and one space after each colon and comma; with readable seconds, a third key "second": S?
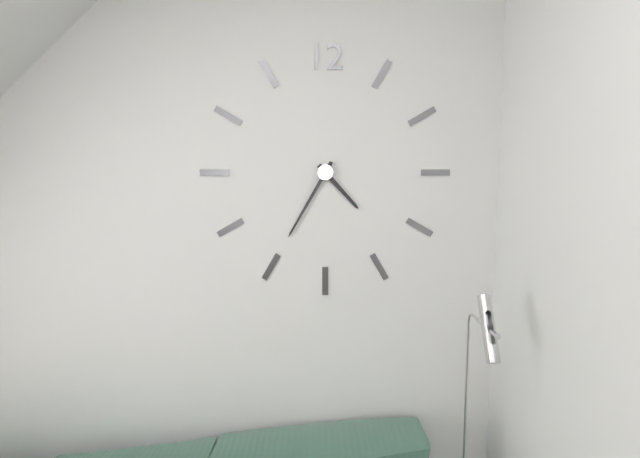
{"hour": 4, "minute": 35}
